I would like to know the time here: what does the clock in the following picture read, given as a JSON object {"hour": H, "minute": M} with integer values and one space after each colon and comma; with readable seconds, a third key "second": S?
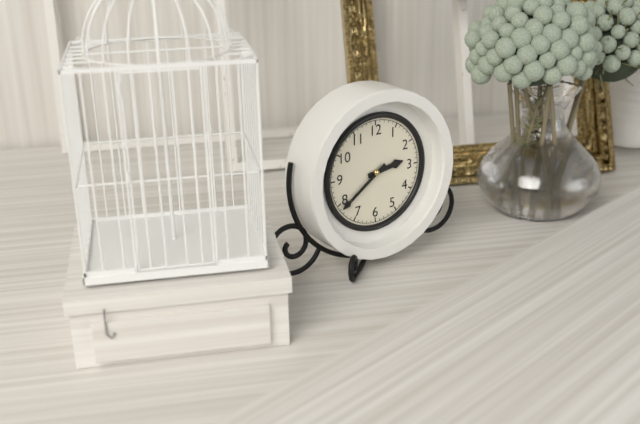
{"hour": 2, "minute": 39}
